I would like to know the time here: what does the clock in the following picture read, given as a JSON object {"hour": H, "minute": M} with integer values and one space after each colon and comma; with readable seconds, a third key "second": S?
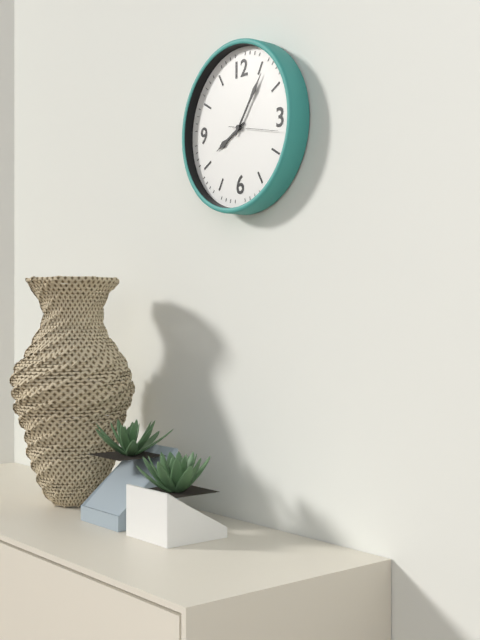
{"hour": 8, "minute": 6, "second": 17}
